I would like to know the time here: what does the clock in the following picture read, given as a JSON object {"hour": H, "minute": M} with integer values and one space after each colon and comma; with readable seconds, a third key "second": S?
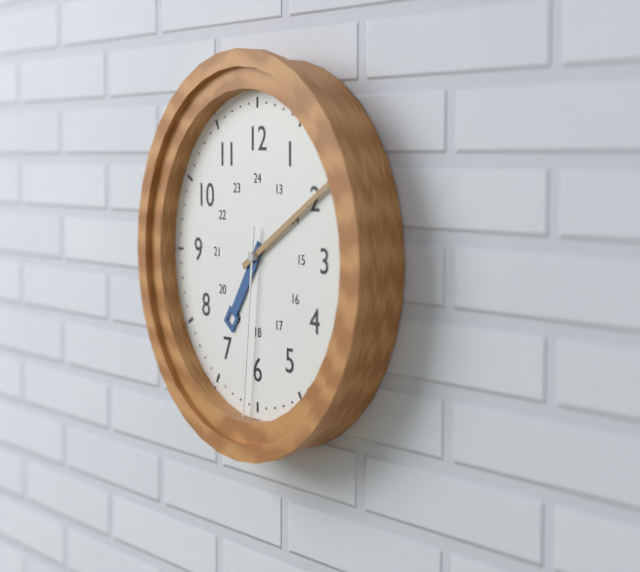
{"hour": 7, "minute": 10, "second": 31}
